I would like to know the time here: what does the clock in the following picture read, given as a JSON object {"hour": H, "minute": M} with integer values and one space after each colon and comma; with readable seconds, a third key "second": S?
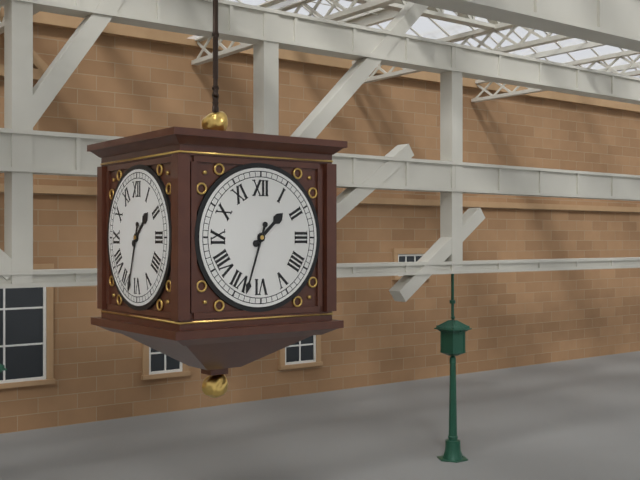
{"hour": 1, "minute": 33}
